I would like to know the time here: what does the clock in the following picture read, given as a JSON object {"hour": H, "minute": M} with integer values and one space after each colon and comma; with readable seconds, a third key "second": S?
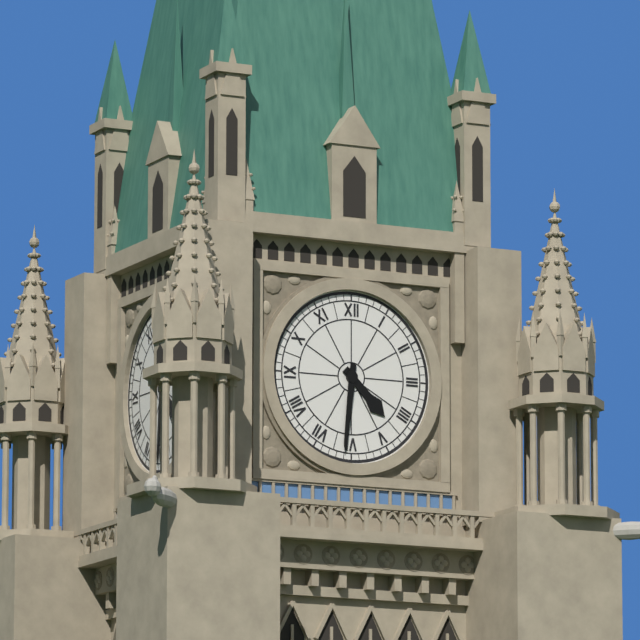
{"hour": 4, "minute": 31}
